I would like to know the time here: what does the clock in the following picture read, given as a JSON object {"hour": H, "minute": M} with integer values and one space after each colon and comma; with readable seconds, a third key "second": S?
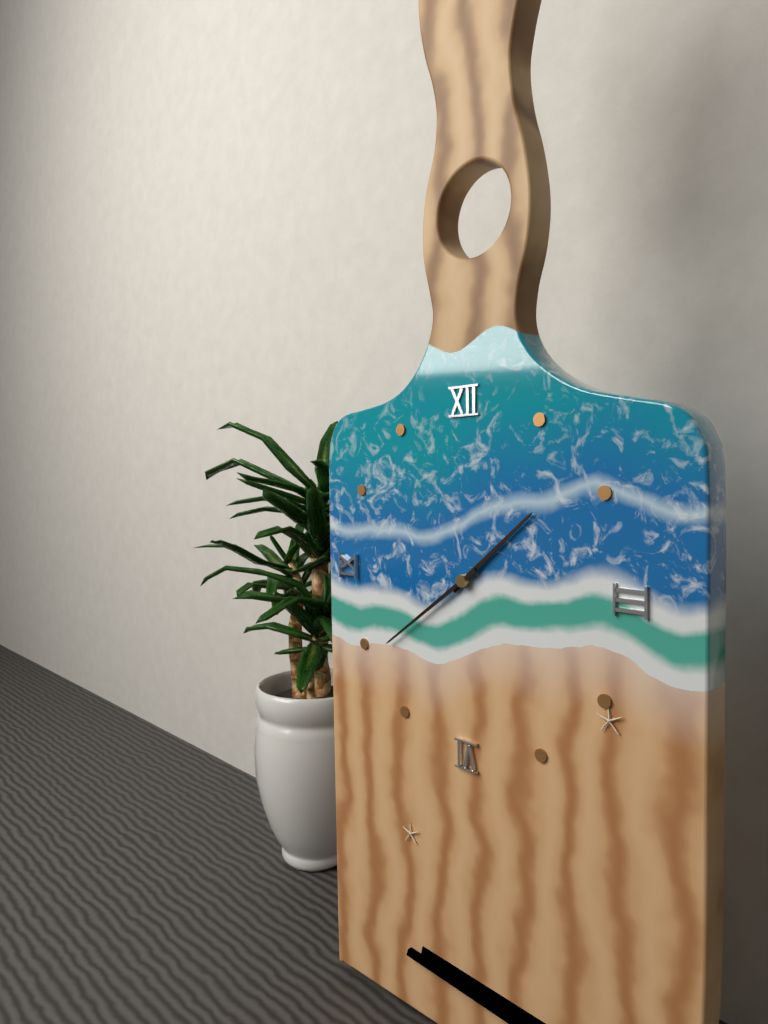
{"hour": 1, "minute": 39}
